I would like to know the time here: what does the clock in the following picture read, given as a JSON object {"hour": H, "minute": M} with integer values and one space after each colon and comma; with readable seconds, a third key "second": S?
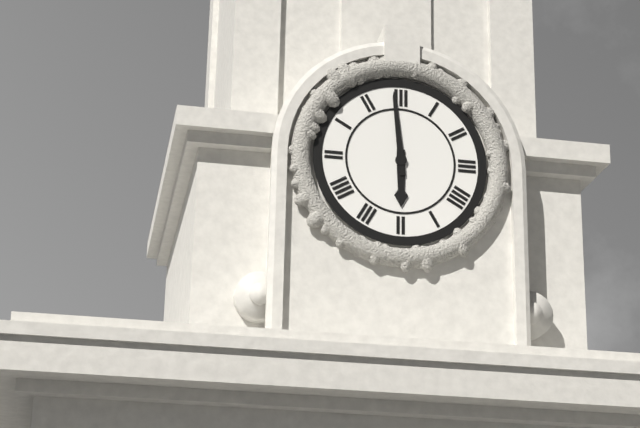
{"hour": 5, "minute": 59}
